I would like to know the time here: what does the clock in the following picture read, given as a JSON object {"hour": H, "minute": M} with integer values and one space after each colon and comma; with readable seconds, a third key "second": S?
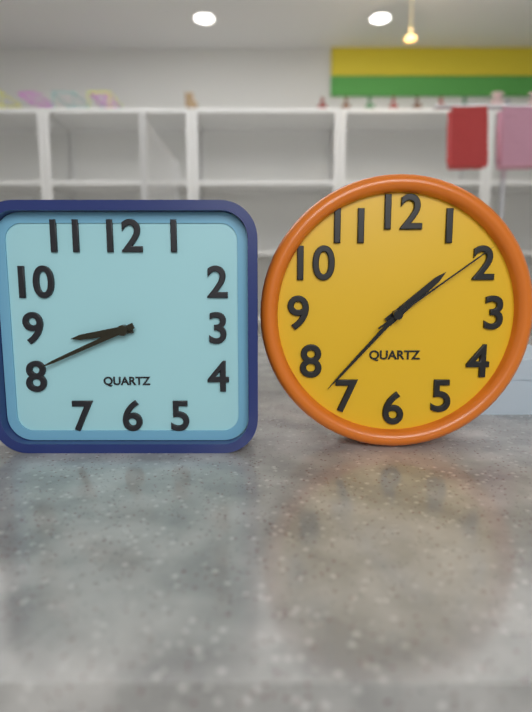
{"hour": 8, "minute": 41}
